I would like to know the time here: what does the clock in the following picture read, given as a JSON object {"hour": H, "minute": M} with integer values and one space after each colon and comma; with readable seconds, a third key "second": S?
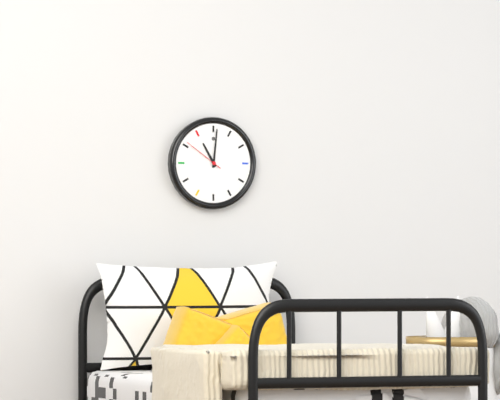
{"hour": 11, "minute": 1}
